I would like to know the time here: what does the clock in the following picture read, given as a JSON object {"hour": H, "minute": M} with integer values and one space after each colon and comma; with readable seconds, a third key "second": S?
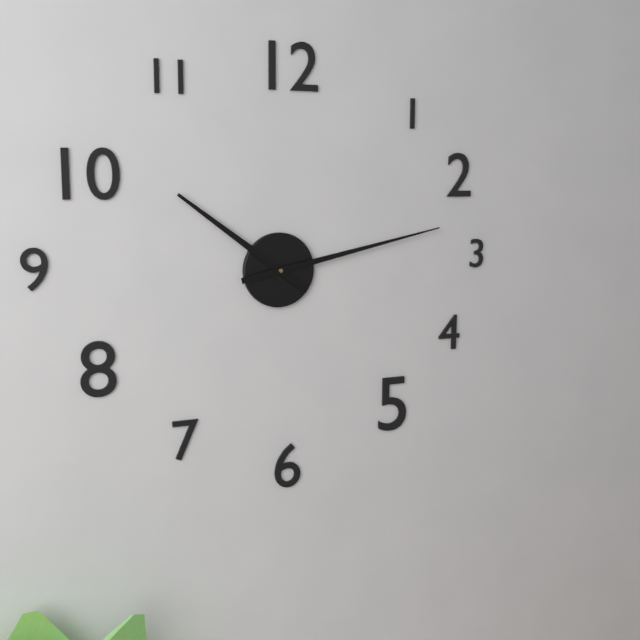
{"hour": 10, "minute": 13}
